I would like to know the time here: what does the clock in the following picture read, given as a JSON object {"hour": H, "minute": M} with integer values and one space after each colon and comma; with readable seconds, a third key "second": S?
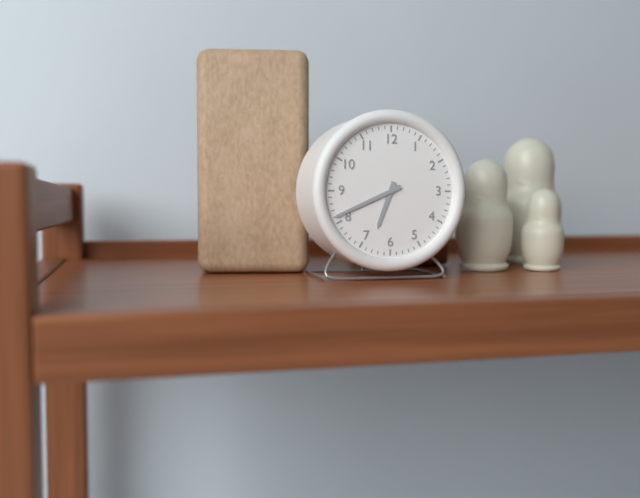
{"hour": 6, "minute": 41}
